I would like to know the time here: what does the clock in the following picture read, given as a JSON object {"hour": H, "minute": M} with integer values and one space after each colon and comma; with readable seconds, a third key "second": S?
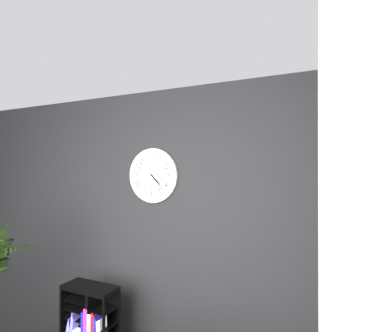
{"hour": 4, "minute": 23}
